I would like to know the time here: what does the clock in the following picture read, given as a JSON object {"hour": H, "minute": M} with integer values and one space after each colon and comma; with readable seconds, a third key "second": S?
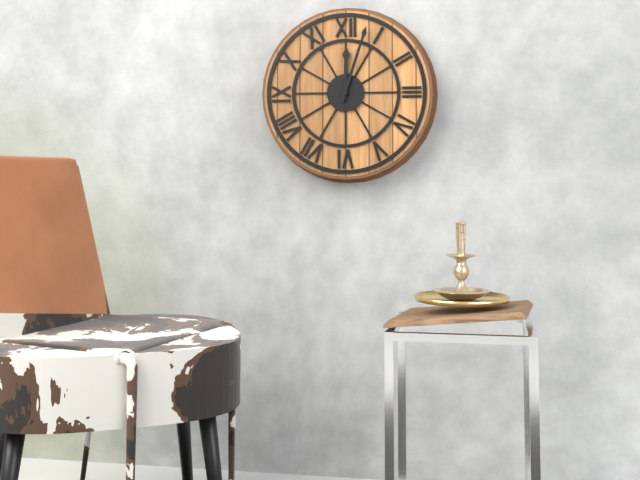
{"hour": 12, "minute": 3}
